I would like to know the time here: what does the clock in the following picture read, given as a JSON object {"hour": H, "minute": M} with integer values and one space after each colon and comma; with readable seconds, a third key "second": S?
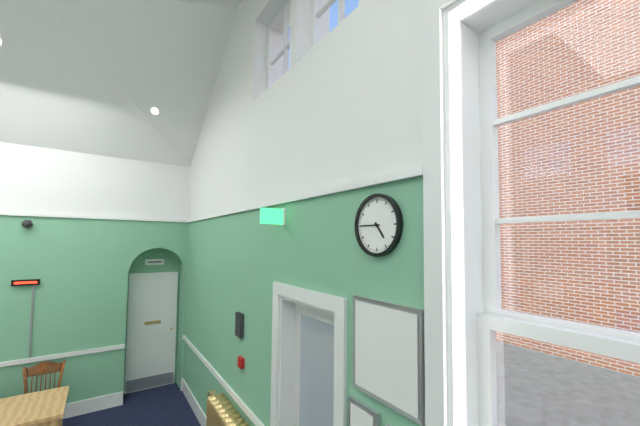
{"hour": 4, "minute": 45}
